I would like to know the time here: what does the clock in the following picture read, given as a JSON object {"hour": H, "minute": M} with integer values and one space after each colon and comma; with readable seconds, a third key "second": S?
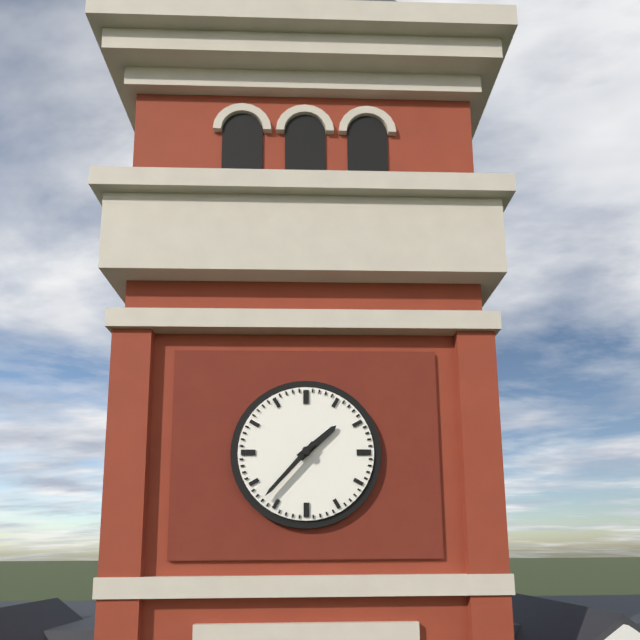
{"hour": 1, "minute": 37}
